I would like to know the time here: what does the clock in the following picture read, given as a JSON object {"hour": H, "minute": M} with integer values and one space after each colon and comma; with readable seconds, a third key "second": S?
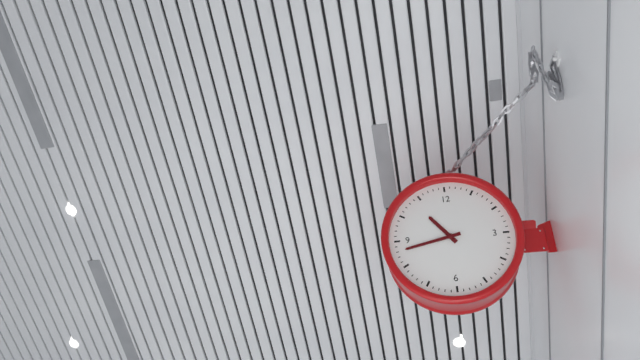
{"hour": 10, "minute": 43}
